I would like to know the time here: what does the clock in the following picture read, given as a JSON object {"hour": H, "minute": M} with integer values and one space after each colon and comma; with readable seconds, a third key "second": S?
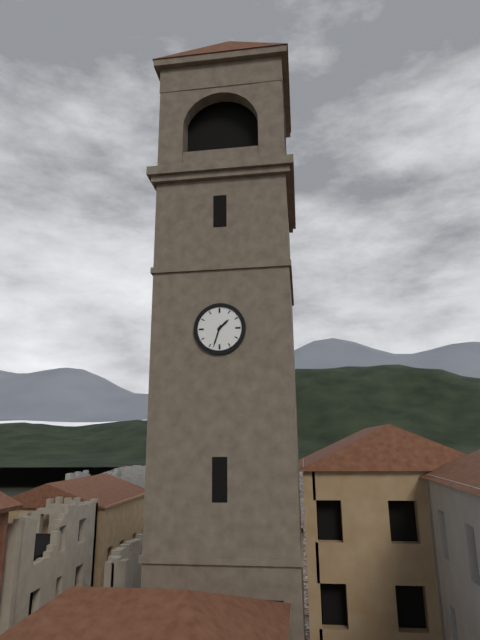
{"hour": 1, "minute": 33}
